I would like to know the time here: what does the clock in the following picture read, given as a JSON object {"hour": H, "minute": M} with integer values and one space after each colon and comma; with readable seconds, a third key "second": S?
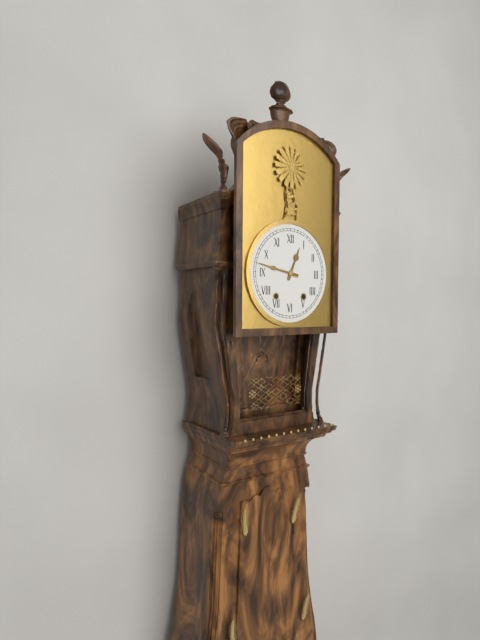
{"hour": 12, "minute": 47}
